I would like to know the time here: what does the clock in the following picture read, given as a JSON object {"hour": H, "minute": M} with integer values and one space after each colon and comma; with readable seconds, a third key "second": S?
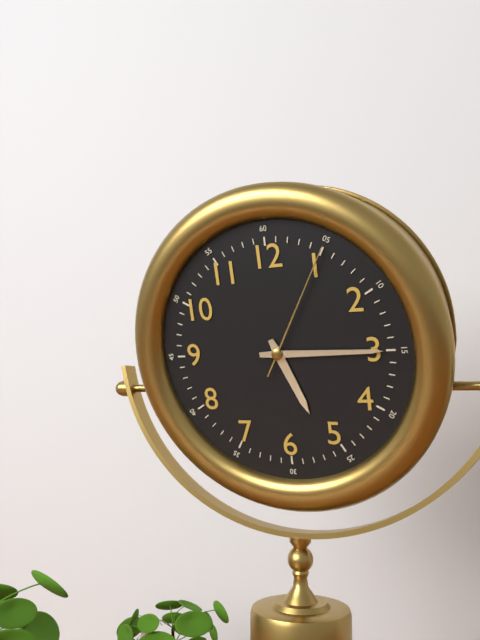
{"hour": 5, "minute": 15, "second": 5}
